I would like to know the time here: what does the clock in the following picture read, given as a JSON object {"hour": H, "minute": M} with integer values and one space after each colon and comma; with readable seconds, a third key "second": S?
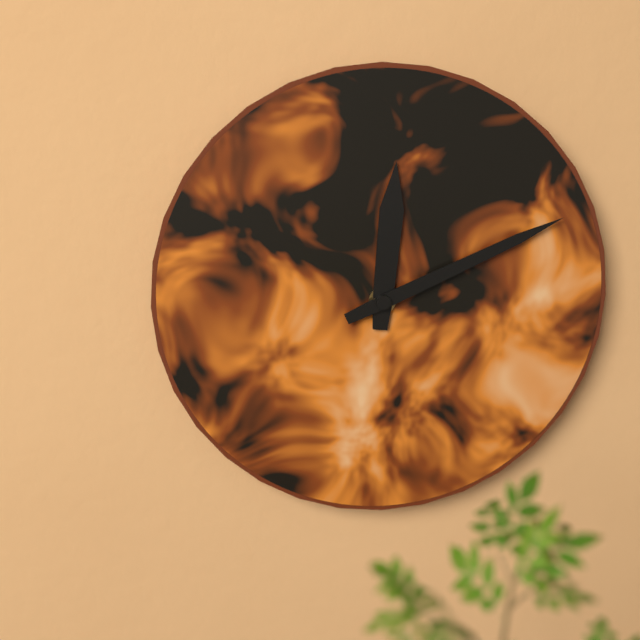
{"hour": 12, "minute": 11}
